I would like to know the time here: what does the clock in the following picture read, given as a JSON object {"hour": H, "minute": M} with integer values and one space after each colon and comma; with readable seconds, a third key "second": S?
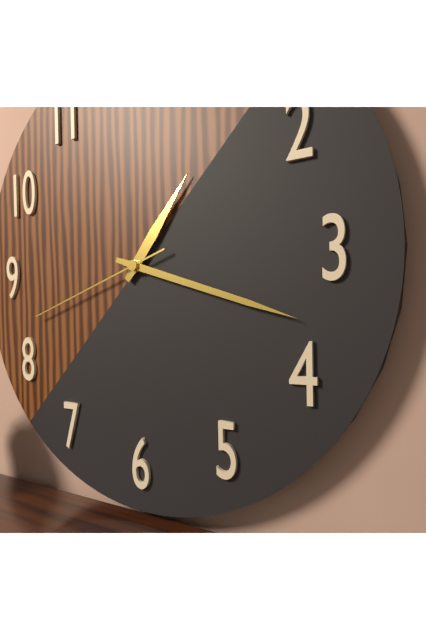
{"hour": 1, "minute": 18, "second": 42}
